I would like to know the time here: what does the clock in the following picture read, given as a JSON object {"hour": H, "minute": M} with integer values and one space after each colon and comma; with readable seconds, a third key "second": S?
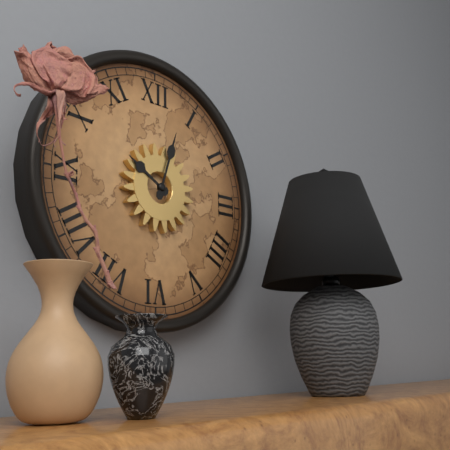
{"hour": 10, "minute": 3}
